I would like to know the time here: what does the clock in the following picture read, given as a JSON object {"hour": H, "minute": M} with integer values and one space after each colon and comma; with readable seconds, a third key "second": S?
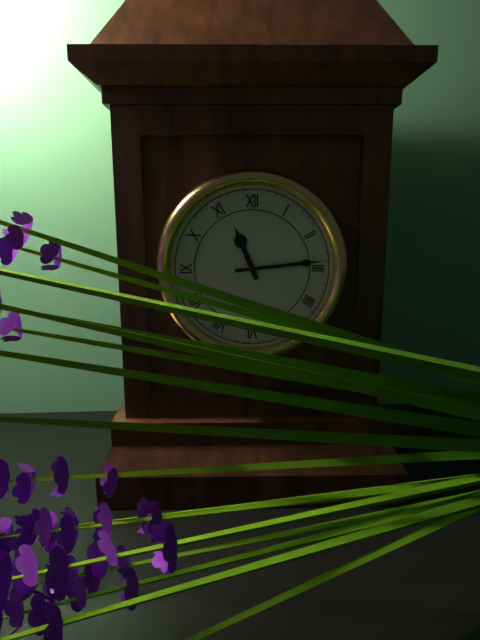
{"hour": 11, "minute": 14}
